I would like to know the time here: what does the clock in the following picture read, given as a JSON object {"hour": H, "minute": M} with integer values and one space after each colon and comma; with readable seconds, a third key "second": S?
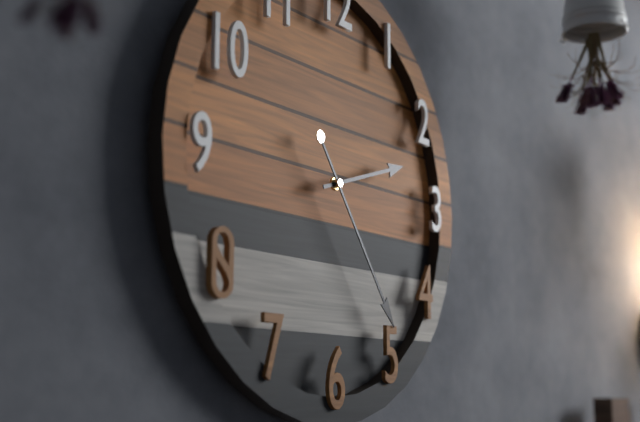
{"hour": 2, "minute": 24}
